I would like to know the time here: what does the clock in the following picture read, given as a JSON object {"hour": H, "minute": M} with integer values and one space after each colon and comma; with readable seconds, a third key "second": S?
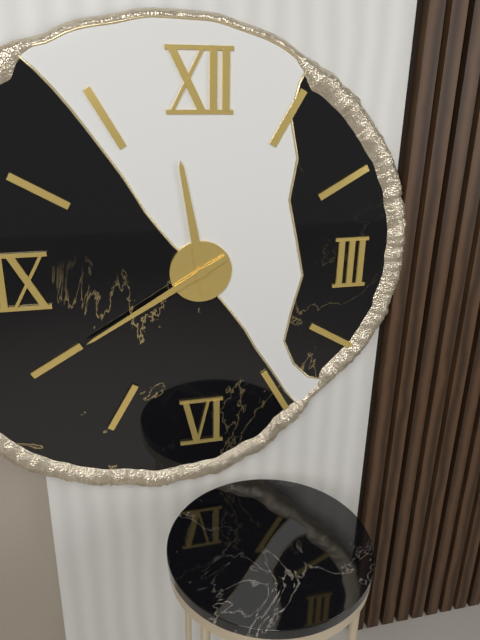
{"hour": 11, "minute": 40}
